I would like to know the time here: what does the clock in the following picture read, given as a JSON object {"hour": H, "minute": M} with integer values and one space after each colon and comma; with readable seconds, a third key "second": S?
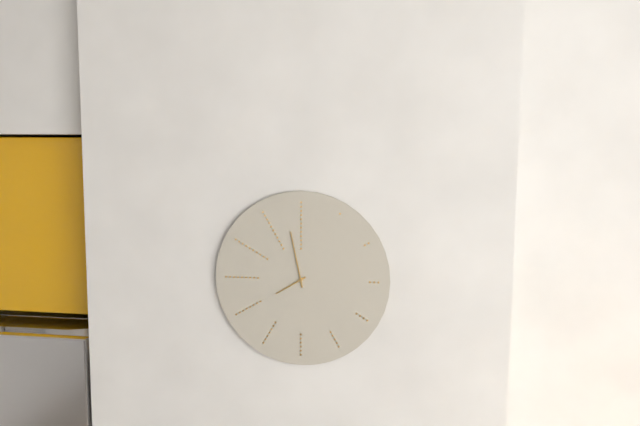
{"hour": 7, "minute": 58}
